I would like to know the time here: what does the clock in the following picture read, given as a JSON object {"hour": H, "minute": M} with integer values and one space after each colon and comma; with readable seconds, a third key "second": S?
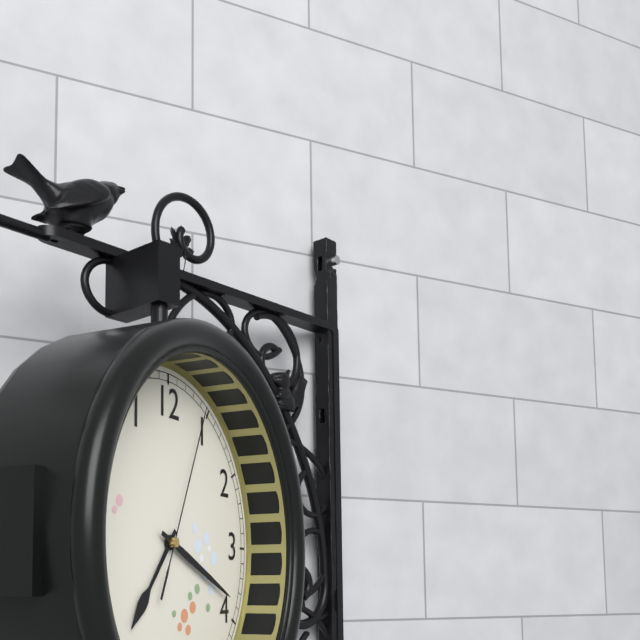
{"hour": 7, "minute": 19, "second": 4}
